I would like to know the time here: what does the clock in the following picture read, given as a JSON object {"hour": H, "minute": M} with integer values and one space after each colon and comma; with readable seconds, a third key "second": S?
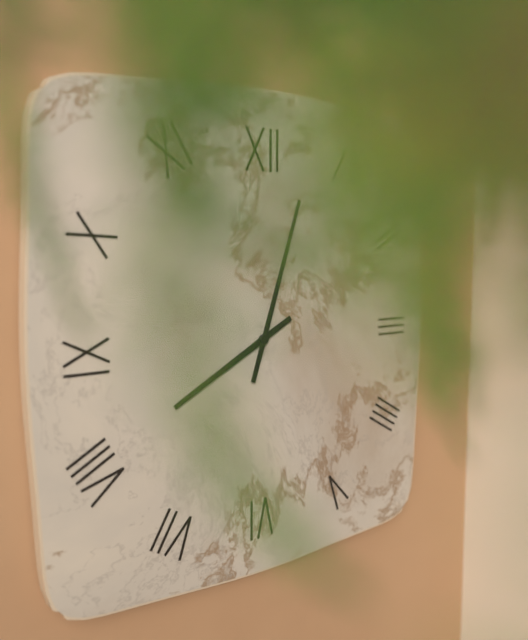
{"hour": 8, "minute": 3}
